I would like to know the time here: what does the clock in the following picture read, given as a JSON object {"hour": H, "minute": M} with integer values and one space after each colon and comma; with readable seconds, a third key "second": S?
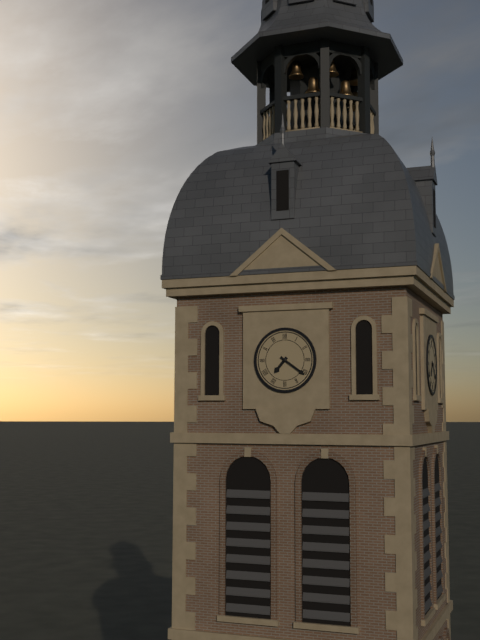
{"hour": 7, "minute": 21}
